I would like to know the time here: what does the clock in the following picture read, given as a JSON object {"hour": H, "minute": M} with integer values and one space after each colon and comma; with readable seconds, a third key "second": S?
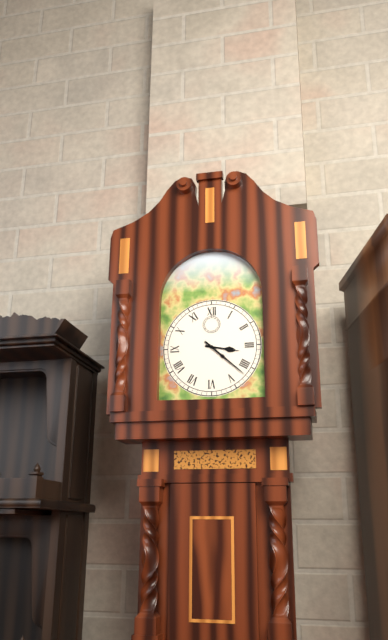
{"hour": 3, "minute": 22}
